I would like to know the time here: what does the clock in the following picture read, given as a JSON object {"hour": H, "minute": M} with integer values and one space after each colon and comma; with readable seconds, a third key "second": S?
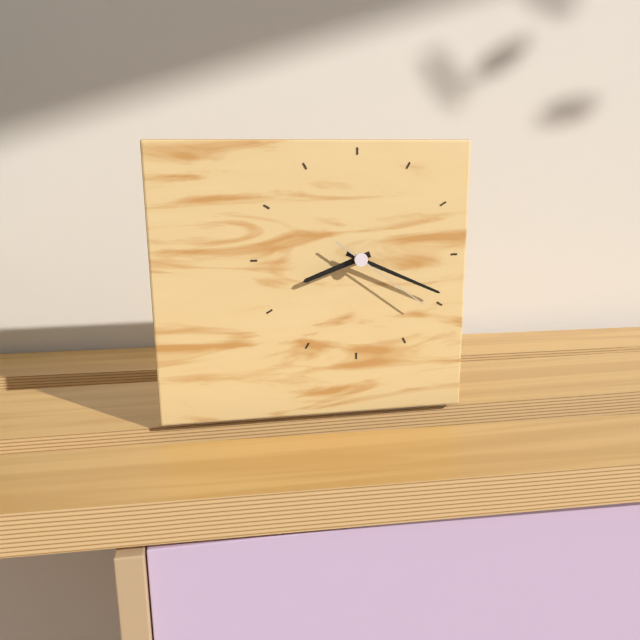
{"hour": 8, "minute": 19, "second": 21}
